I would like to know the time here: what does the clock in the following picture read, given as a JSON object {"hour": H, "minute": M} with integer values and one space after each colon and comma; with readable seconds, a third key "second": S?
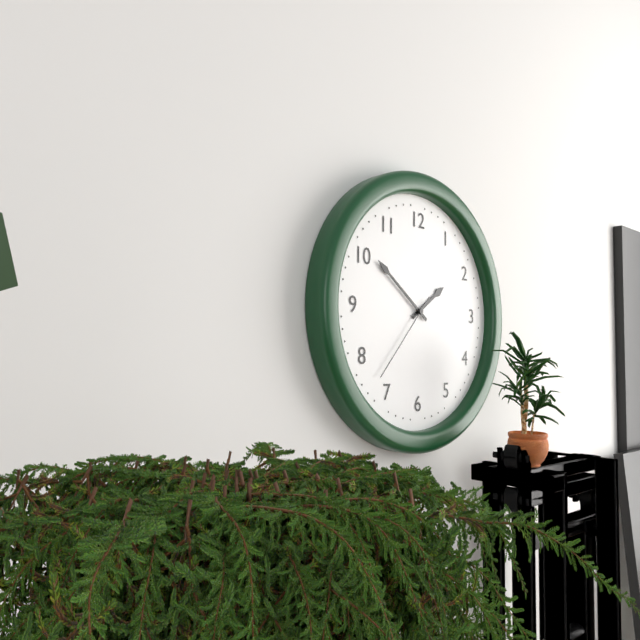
{"hour": 1, "minute": 51, "second": 37}
